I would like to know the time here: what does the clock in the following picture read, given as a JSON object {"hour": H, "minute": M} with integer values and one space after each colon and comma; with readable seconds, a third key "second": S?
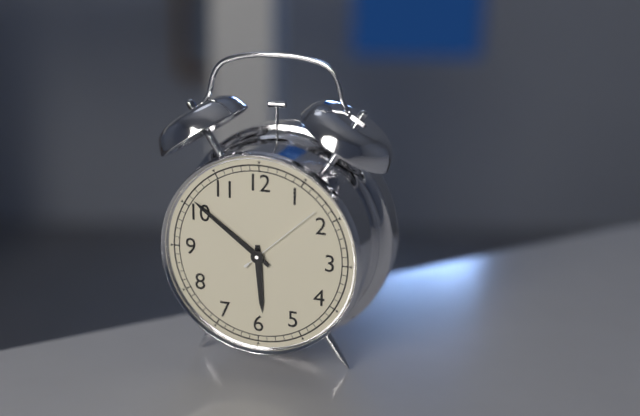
{"hour": 5, "minute": 51, "second": 8}
